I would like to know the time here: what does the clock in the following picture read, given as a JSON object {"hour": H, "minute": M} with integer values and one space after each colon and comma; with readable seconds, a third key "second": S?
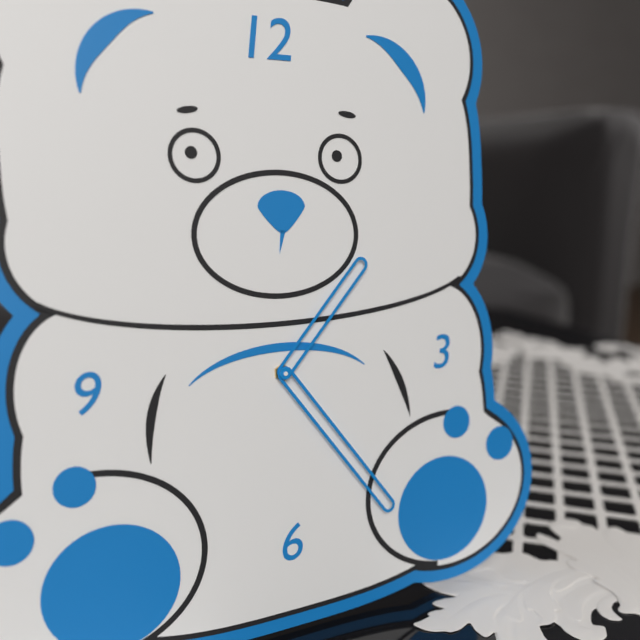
{"hour": 1, "minute": 24}
